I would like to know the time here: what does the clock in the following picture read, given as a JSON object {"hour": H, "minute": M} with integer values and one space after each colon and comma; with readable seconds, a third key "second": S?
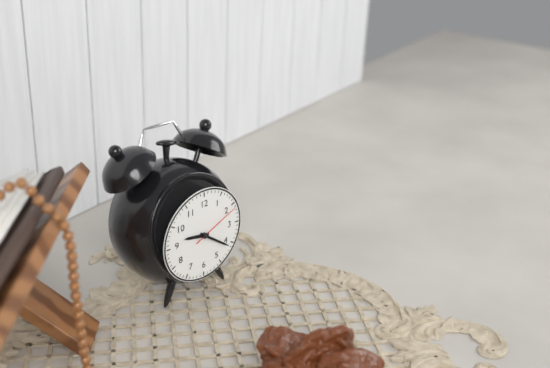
{"hour": 9, "minute": 21, "second": 11}
